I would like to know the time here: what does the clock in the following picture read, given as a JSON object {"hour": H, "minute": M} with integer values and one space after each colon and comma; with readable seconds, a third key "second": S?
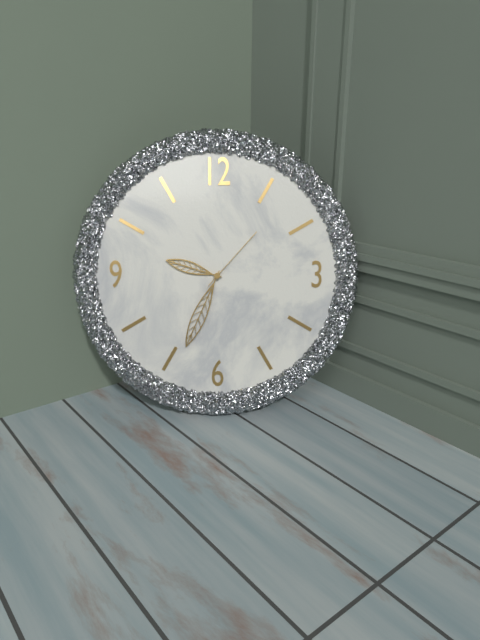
{"hour": 9, "minute": 34, "second": 7}
